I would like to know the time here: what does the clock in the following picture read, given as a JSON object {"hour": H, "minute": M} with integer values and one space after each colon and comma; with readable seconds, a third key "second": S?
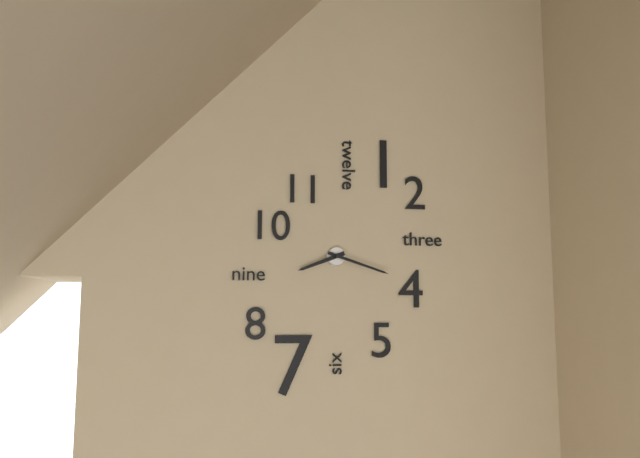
{"hour": 8, "minute": 18}
